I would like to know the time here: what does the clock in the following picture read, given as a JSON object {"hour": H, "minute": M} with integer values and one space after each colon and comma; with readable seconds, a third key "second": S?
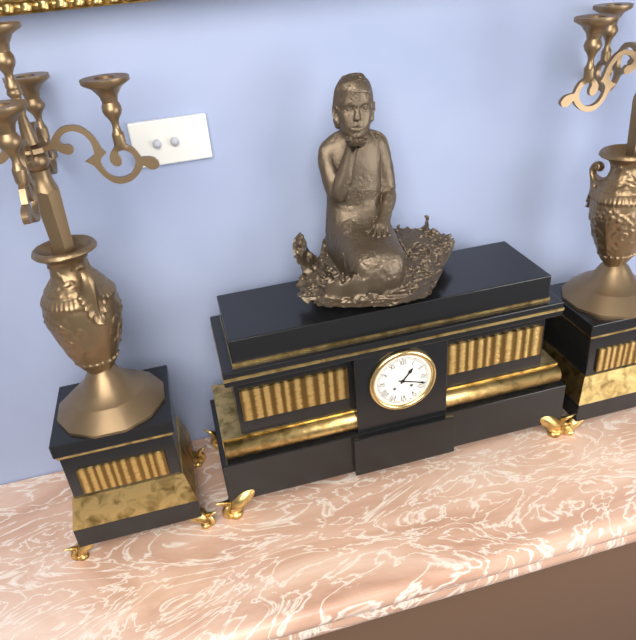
{"hour": 1, "minute": 18}
